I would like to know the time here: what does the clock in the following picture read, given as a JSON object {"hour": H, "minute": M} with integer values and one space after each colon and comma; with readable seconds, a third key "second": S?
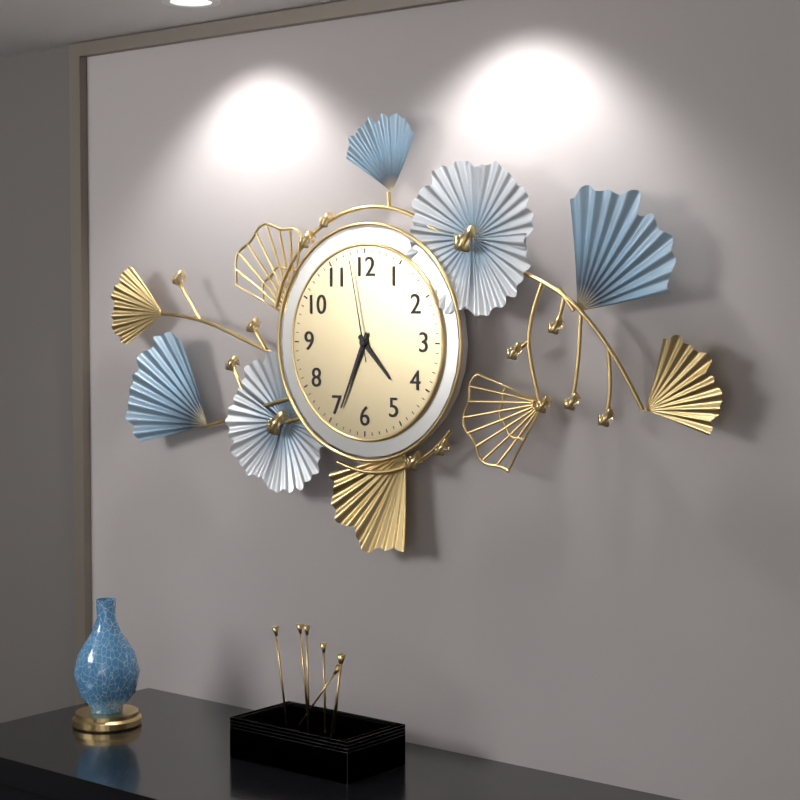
{"hour": 4, "minute": 34, "second": 58}
